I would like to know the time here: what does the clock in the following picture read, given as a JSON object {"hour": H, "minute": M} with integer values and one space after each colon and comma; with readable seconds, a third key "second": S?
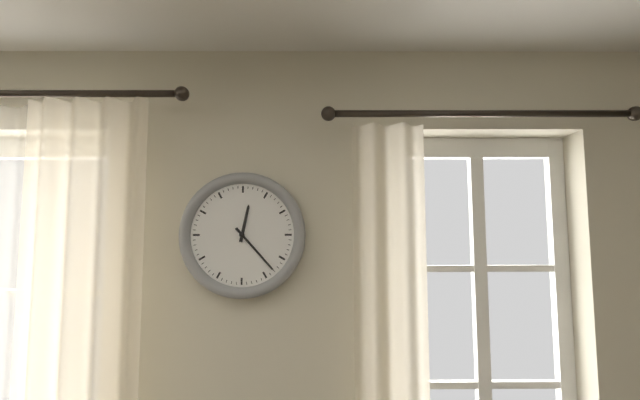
{"hour": 12, "minute": 23}
